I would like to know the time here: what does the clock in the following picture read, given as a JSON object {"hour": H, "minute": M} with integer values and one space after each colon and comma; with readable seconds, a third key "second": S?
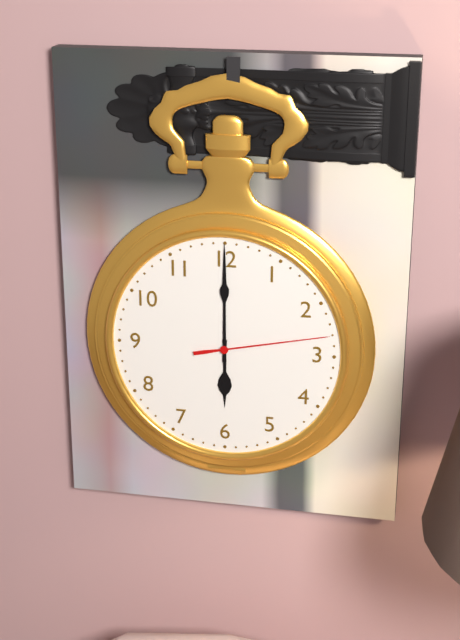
{"hour": 6, "minute": 0, "second": 13}
